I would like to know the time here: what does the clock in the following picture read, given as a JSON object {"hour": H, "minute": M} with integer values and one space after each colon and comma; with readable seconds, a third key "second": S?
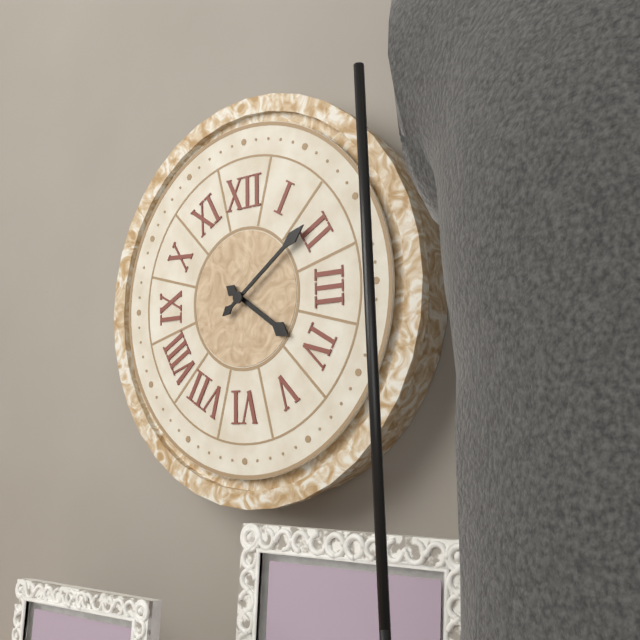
{"hour": 4, "minute": 9}
